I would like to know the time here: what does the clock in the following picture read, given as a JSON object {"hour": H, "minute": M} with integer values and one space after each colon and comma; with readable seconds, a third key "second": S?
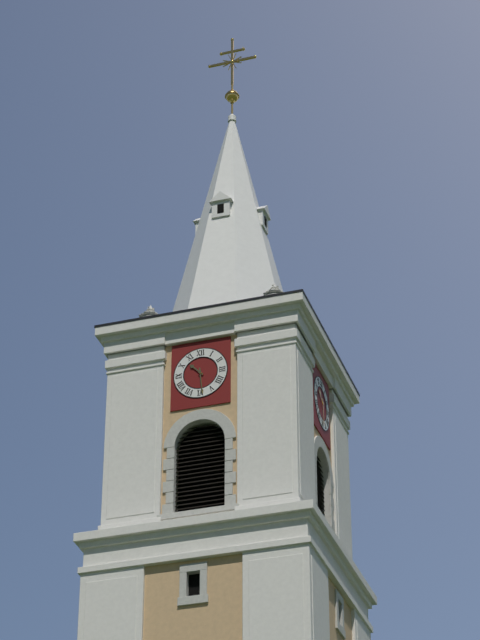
{"hour": 10, "minute": 29}
